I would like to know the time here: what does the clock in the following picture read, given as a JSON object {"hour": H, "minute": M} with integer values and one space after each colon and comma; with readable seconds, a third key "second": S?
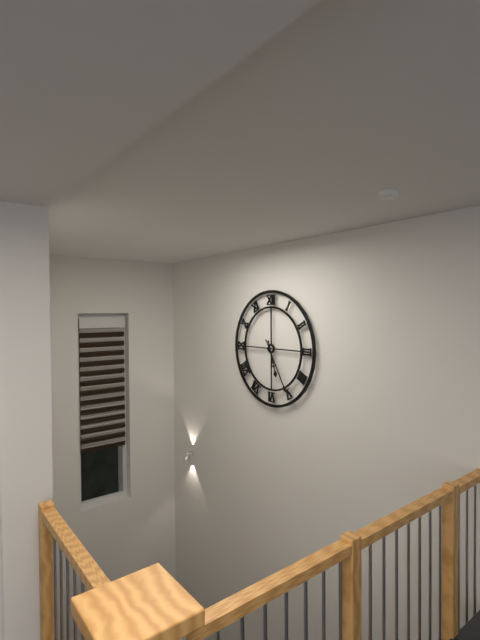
{"hour": 5, "minute": 25}
